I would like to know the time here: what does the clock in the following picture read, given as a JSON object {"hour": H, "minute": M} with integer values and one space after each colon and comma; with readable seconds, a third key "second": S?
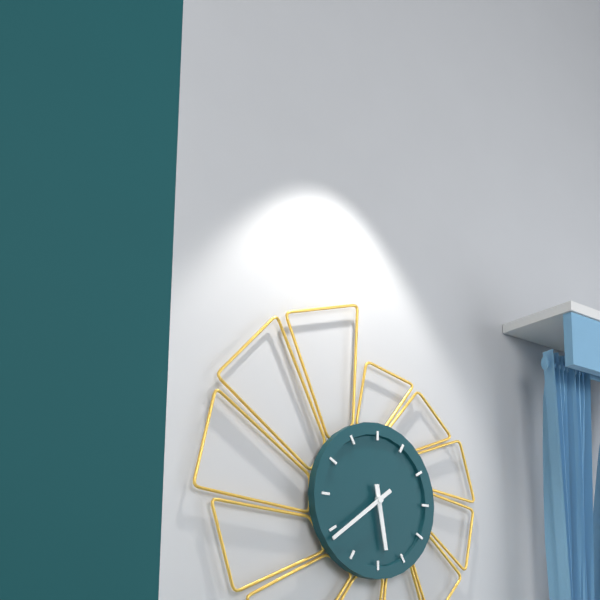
{"hour": 5, "minute": 39}
